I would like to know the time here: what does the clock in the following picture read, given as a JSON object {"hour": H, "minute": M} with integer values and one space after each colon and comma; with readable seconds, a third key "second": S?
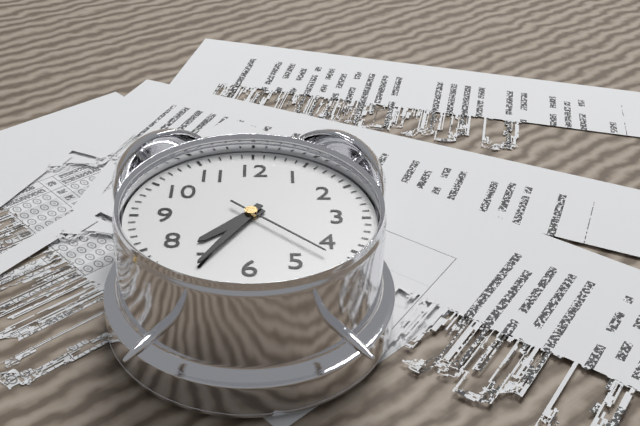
{"hour": 7, "minute": 35, "second": 22}
